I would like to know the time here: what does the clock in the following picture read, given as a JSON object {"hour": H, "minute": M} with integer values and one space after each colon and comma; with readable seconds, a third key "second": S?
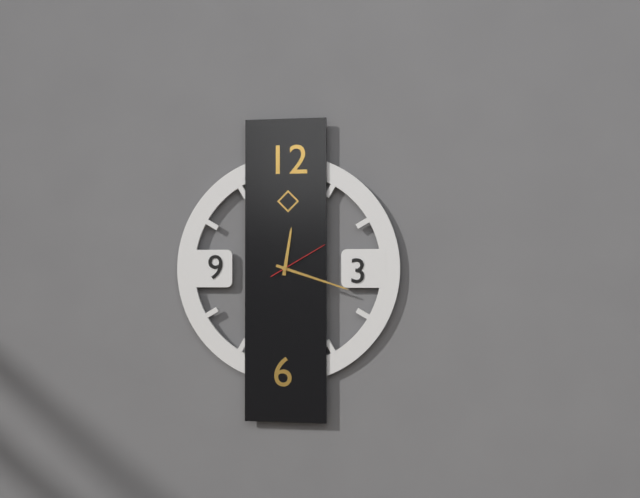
{"hour": 12, "minute": 18, "second": 10}
